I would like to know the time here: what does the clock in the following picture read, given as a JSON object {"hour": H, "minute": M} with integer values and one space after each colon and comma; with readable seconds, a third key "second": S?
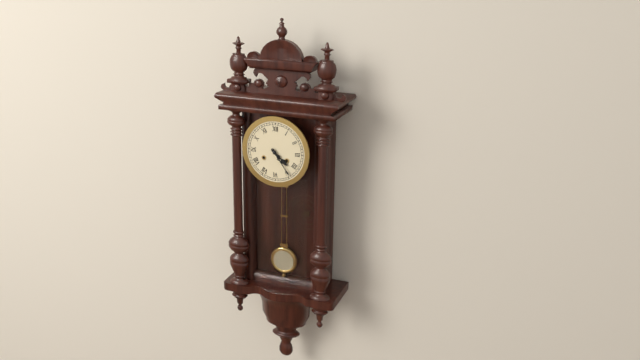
{"hour": 4, "minute": 24}
